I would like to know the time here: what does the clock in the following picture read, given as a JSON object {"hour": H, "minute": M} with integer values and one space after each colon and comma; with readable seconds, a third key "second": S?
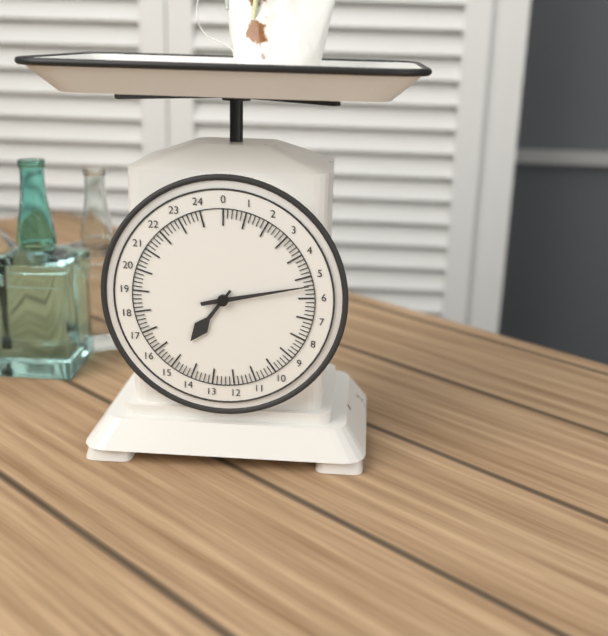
{"hour": 7, "minute": 13}
